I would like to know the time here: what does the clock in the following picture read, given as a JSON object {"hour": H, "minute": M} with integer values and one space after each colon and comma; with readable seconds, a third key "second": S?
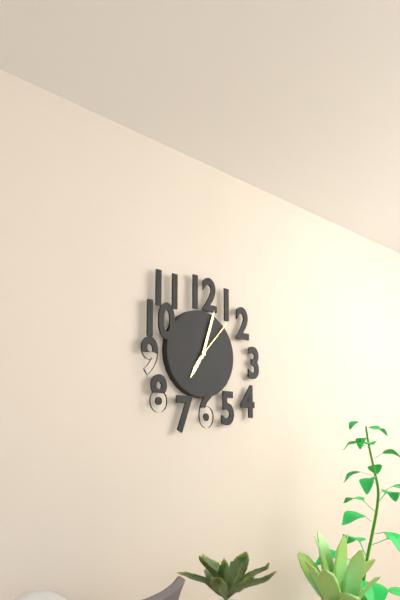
{"hour": 7, "minute": 3}
